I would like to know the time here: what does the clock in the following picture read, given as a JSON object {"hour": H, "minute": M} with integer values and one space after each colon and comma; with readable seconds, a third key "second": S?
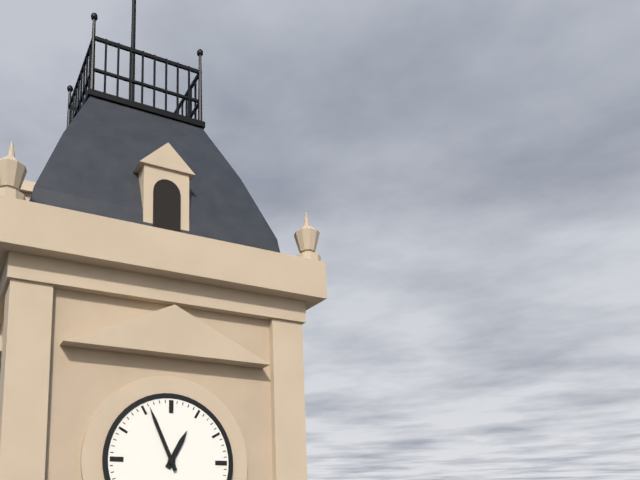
{"hour": 12, "minute": 56}
